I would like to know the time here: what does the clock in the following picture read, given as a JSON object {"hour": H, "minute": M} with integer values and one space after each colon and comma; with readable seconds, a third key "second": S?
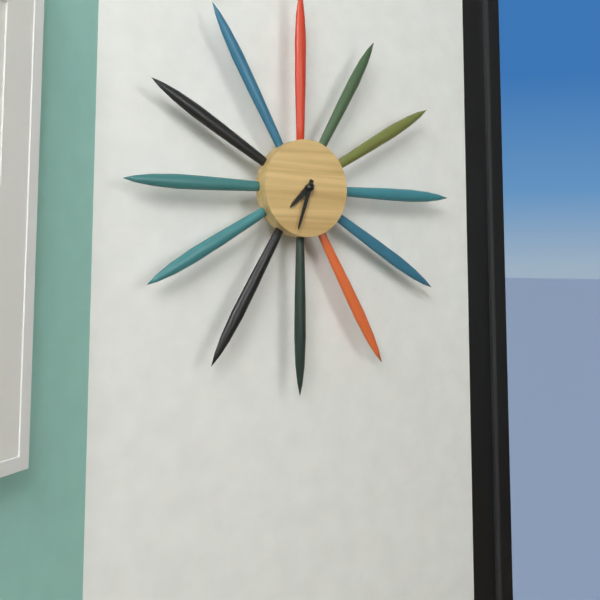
{"hour": 7, "minute": 33}
